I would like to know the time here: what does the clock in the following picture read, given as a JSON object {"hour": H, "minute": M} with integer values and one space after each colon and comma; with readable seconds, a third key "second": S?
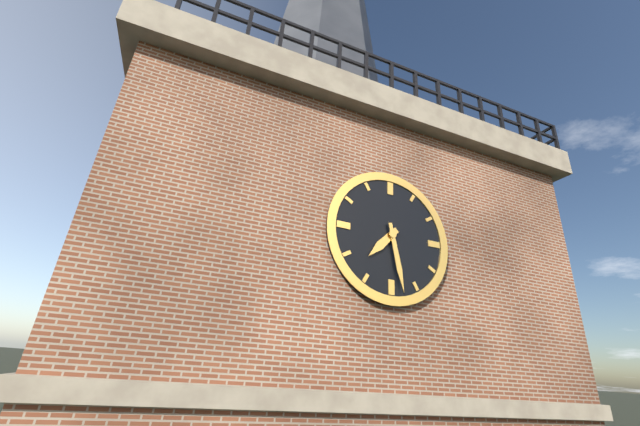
{"hour": 7, "minute": 28}
